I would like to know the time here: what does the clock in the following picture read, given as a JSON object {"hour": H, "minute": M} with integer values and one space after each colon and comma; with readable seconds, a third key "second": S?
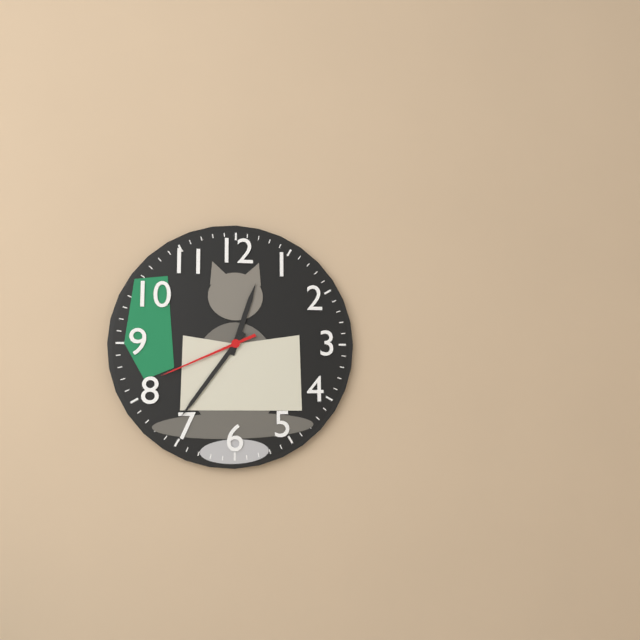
{"hour": 12, "minute": 36, "second": 41}
